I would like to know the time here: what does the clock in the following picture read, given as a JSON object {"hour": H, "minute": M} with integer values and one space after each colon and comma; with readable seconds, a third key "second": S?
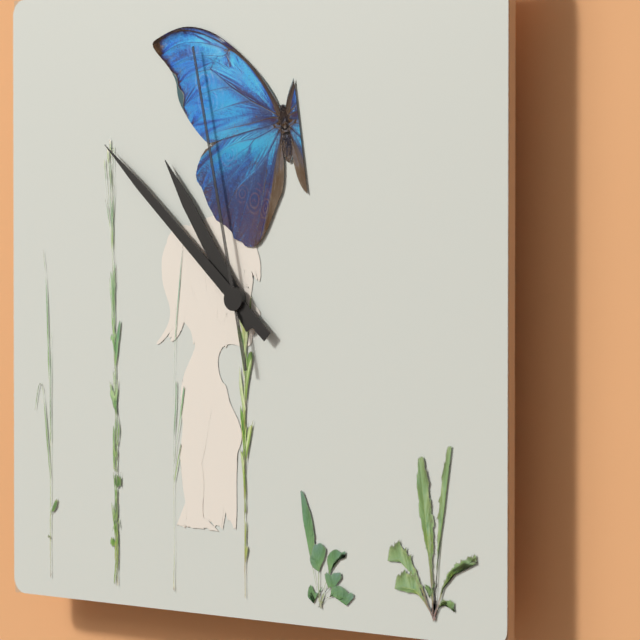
{"hour": 10, "minute": 52, "second": 58}
